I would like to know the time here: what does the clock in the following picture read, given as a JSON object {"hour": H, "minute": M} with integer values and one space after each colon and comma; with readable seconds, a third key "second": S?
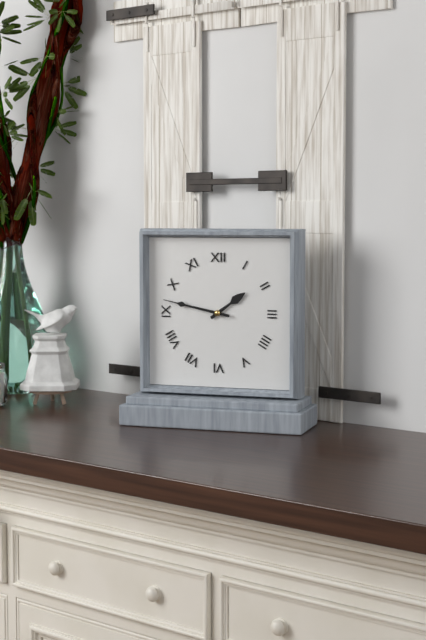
{"hour": 1, "minute": 47}
